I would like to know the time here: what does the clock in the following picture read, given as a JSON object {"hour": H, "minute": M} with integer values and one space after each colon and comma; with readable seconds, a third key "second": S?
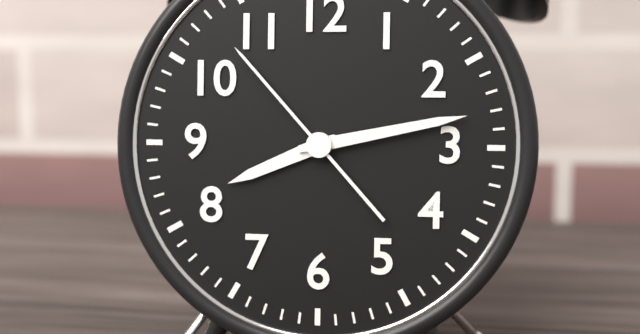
{"hour": 8, "minute": 13, "second": 53}
